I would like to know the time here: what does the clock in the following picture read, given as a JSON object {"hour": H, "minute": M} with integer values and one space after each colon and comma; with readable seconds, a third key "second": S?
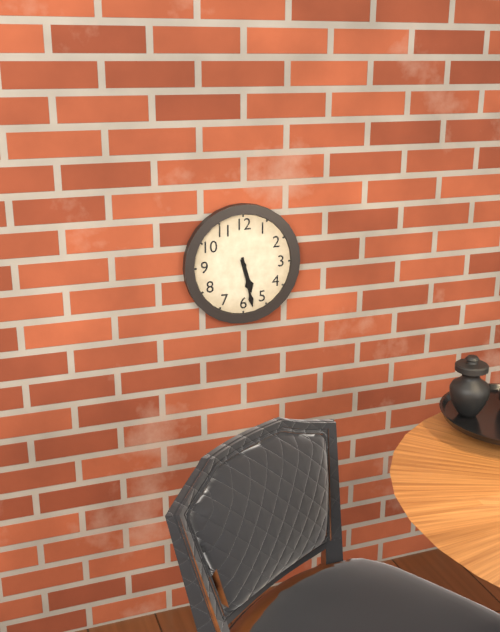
{"hour": 5, "minute": 28}
